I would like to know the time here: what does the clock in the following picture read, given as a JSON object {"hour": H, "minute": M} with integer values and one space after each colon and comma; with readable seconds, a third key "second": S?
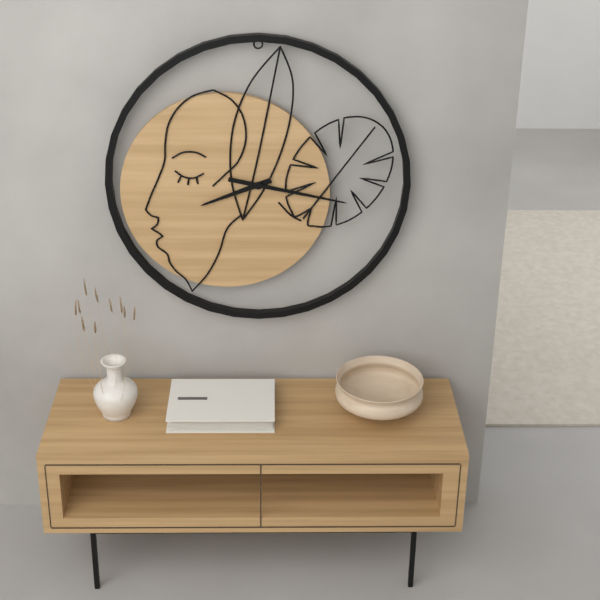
{"hour": 8, "minute": 17}
